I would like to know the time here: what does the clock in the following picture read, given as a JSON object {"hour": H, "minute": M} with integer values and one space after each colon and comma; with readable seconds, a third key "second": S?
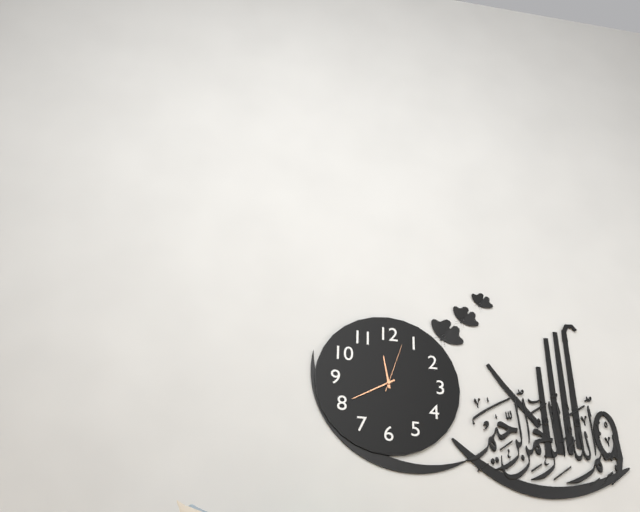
{"hour": 11, "minute": 40, "second": 3}
